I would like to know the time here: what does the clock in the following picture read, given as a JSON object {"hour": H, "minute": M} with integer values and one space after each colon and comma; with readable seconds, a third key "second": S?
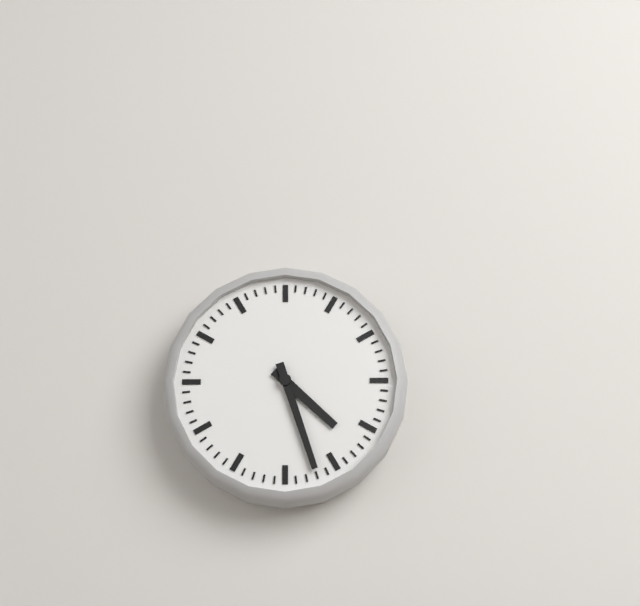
{"hour": 4, "minute": 27}
